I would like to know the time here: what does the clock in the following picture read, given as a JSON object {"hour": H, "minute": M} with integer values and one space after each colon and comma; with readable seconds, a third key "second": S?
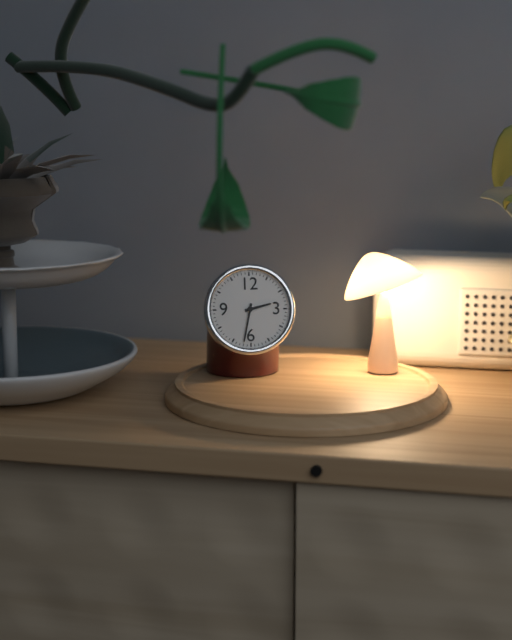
{"hour": 2, "minute": 32}
